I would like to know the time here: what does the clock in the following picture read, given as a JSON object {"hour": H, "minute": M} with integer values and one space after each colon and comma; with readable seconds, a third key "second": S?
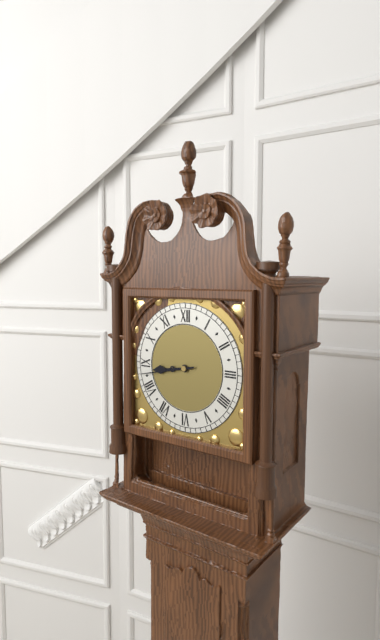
{"hour": 8, "minute": 43}
